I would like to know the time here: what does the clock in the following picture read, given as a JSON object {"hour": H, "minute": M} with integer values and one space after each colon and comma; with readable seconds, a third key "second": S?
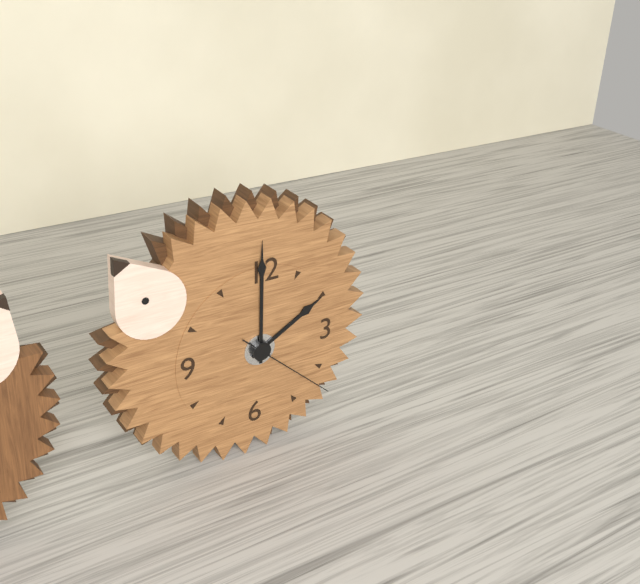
{"hour": 2, "minute": 0, "second": 22}
